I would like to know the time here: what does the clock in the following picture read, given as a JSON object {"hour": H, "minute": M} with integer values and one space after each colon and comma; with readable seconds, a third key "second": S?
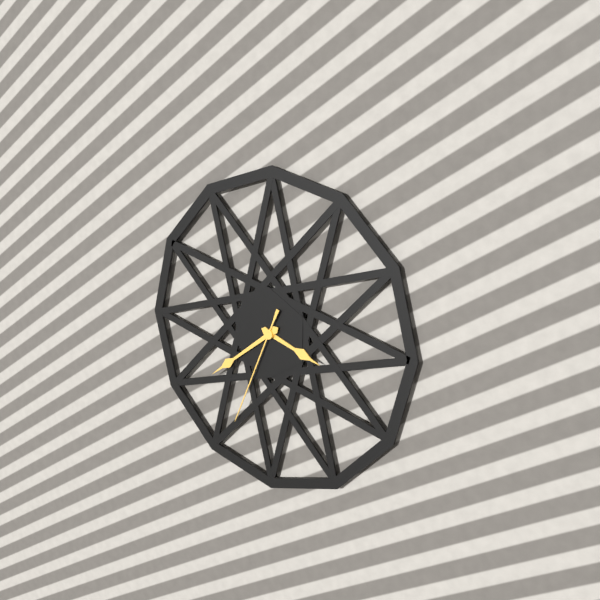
{"hour": 3, "minute": 39, "second": 34}
